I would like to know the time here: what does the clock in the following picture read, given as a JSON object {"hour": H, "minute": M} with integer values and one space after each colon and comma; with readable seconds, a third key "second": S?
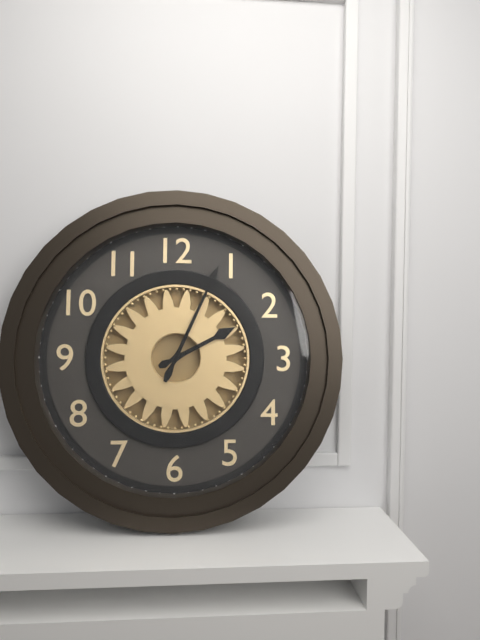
{"hour": 2, "minute": 4}
